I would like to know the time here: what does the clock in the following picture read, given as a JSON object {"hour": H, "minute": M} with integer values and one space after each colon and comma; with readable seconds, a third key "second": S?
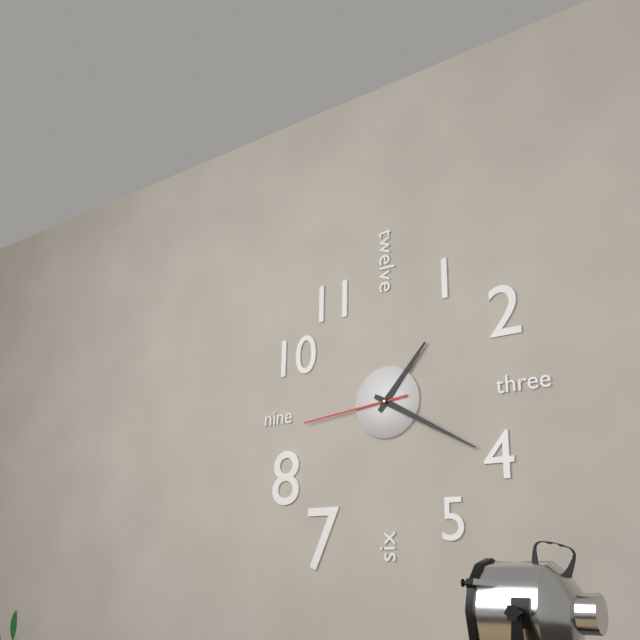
{"hour": 1, "minute": 20, "second": 44}
